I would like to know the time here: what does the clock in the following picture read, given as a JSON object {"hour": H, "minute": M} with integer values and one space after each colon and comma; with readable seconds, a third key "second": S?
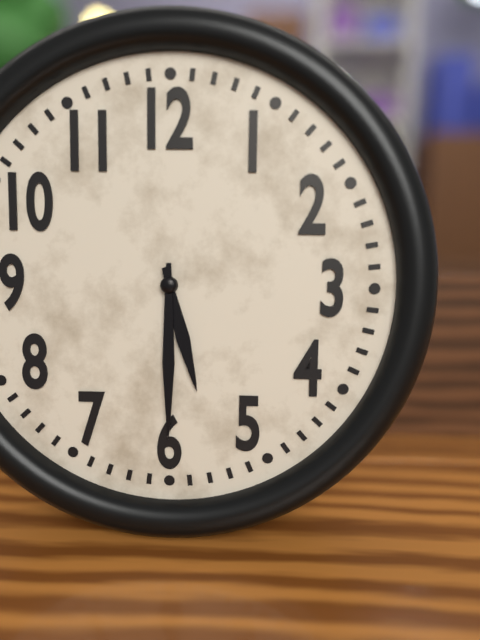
{"hour": 5, "minute": 30}
